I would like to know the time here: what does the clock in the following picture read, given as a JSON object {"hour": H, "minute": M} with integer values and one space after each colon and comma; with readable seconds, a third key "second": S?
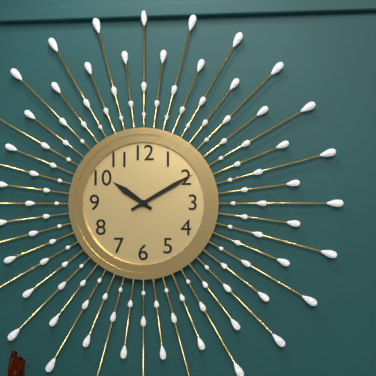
{"hour": 10, "minute": 10}
